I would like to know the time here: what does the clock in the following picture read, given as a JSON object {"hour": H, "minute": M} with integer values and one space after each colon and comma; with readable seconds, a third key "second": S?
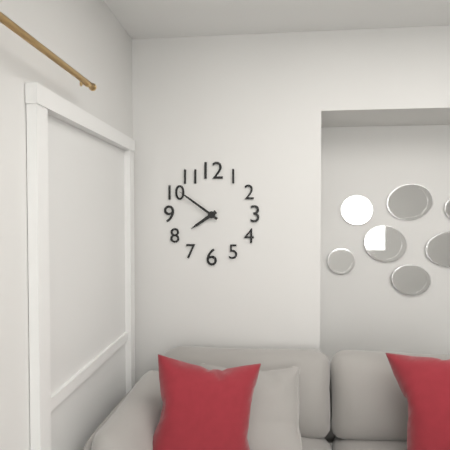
{"hour": 7, "minute": 51}
